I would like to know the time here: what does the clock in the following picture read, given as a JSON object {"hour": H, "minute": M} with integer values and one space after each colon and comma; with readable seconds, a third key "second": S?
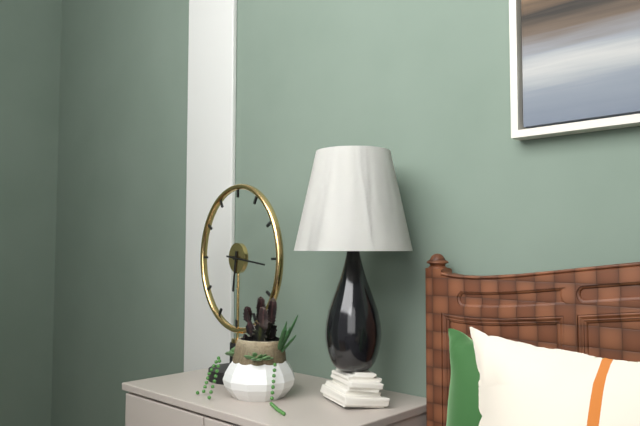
{"hour": 6, "minute": 16}
